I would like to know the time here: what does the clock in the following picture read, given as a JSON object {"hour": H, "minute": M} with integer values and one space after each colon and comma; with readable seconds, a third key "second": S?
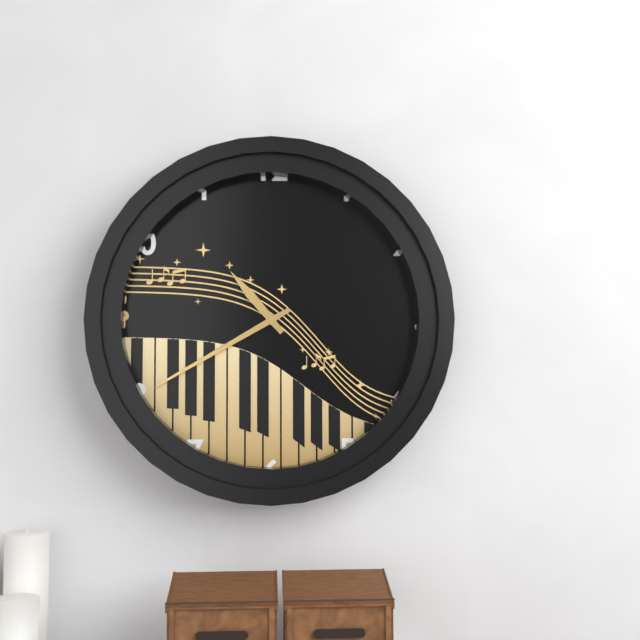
{"hour": 10, "minute": 40}
